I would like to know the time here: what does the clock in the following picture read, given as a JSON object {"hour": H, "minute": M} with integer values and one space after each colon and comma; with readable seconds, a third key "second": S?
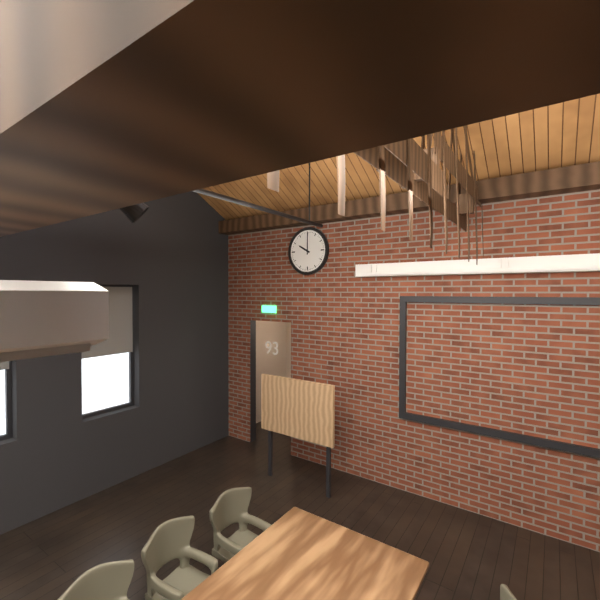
{"hour": 10, "minute": 0}
